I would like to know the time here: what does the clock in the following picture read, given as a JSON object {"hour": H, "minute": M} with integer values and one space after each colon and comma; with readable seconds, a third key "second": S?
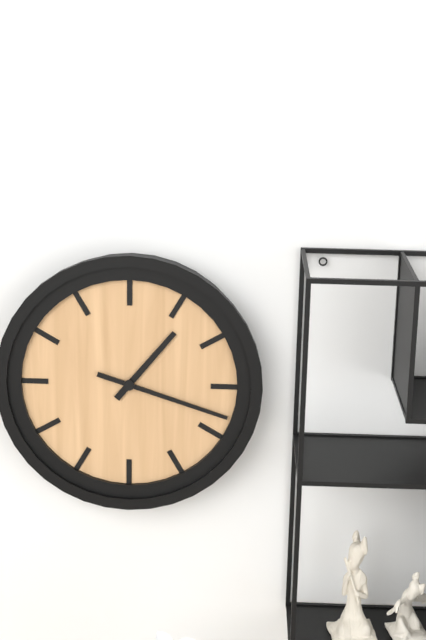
{"hour": 1, "minute": 18}
